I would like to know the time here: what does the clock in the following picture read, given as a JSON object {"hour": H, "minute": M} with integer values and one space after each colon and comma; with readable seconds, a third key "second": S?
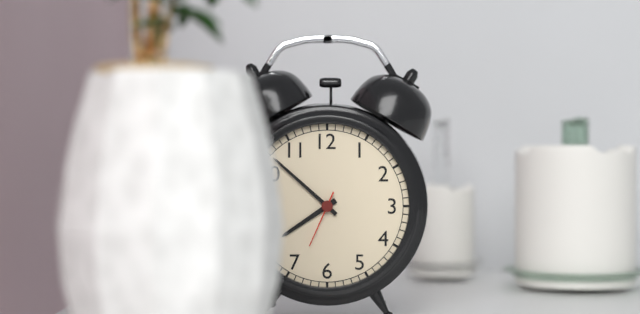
{"hour": 7, "minute": 52, "second": 34}
